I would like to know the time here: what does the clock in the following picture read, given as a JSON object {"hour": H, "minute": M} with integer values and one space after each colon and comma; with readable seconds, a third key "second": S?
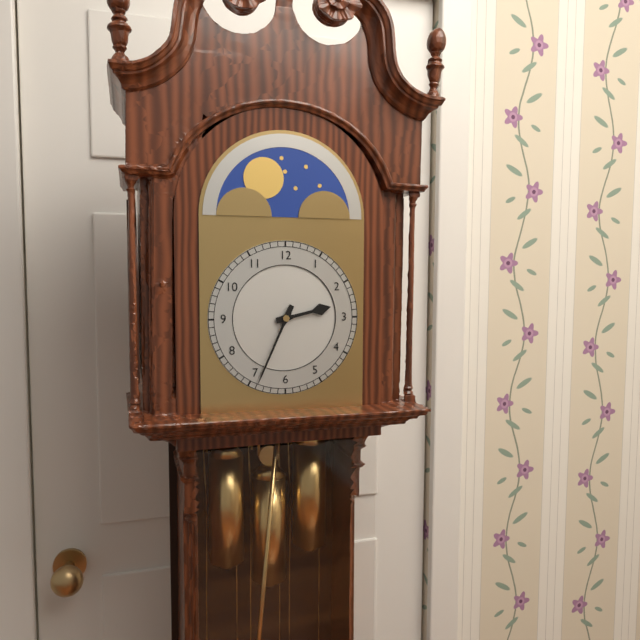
{"hour": 2, "minute": 34}
